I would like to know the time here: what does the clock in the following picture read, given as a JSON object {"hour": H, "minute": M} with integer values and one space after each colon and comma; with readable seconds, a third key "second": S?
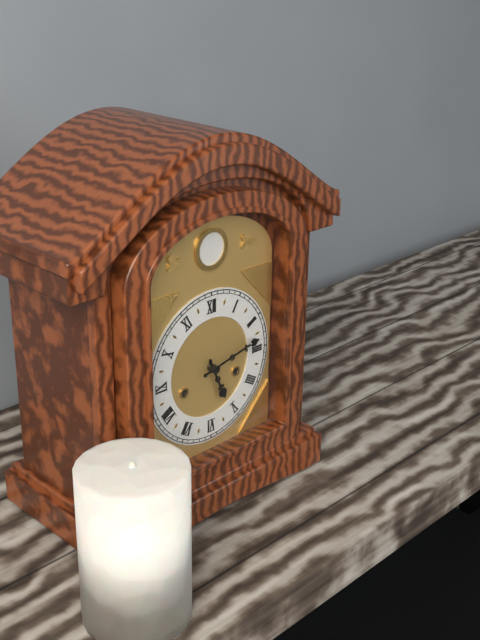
{"hour": 5, "minute": 13}
